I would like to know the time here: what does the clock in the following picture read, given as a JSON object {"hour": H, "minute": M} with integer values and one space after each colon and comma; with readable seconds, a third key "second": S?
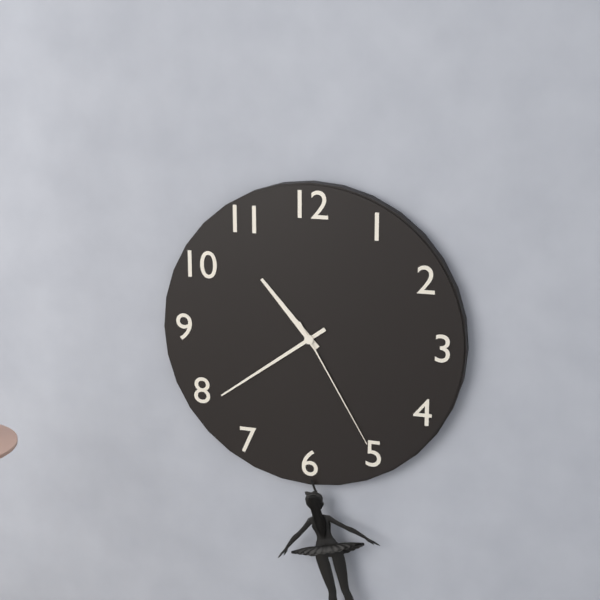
{"hour": 10, "minute": 39, "second": 25}
